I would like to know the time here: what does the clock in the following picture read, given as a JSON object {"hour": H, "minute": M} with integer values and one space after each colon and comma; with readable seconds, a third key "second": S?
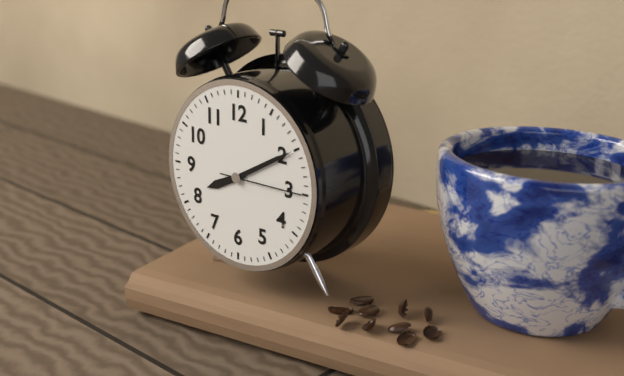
{"hour": 8, "minute": 10, "second": 15}
